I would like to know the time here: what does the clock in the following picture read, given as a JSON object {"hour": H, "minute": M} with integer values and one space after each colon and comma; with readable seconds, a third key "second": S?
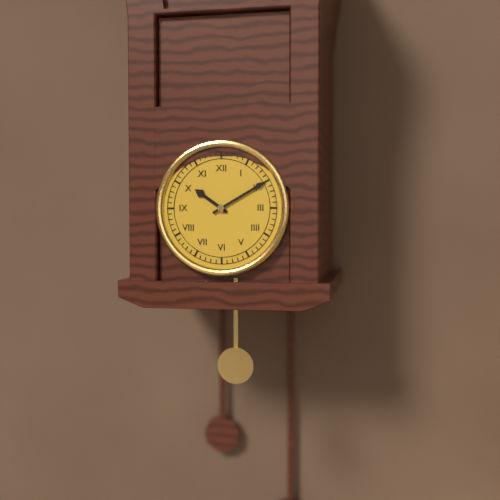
{"hour": 10, "minute": 10}
